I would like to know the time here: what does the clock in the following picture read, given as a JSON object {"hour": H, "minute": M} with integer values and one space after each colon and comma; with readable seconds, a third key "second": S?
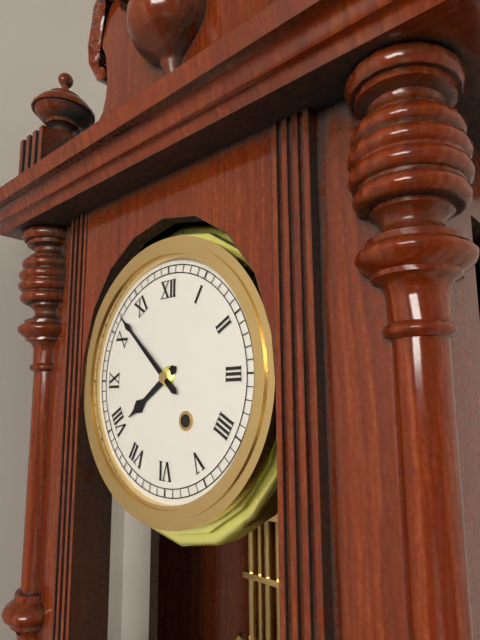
{"hour": 7, "minute": 52}
